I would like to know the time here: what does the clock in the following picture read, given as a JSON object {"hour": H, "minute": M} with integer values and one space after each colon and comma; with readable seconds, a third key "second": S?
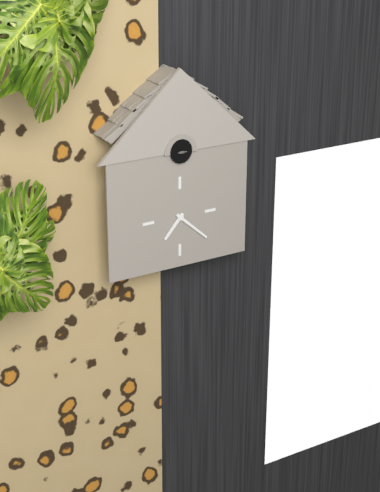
{"hour": 7, "minute": 22}
